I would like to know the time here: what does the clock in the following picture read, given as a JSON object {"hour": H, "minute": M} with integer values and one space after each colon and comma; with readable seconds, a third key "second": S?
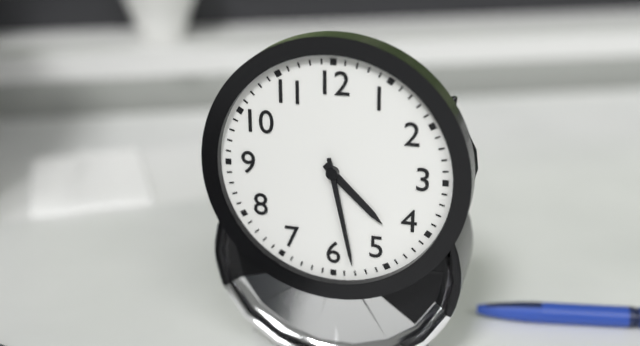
{"hour": 4, "minute": 28}
